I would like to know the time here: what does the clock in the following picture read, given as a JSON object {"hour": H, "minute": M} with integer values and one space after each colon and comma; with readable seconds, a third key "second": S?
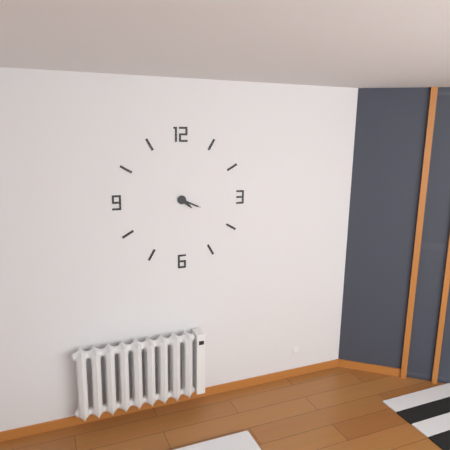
{"hour": 4, "minute": 19}
